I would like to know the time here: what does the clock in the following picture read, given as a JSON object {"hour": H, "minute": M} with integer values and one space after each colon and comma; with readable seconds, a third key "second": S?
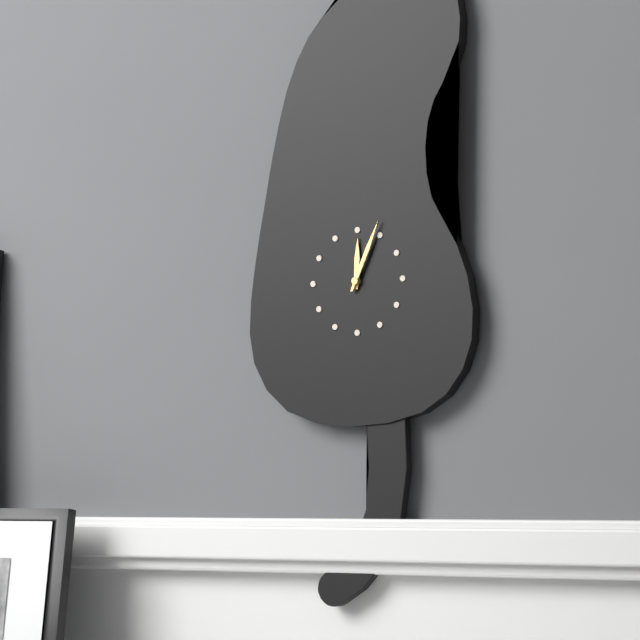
{"hour": 12, "minute": 4}
